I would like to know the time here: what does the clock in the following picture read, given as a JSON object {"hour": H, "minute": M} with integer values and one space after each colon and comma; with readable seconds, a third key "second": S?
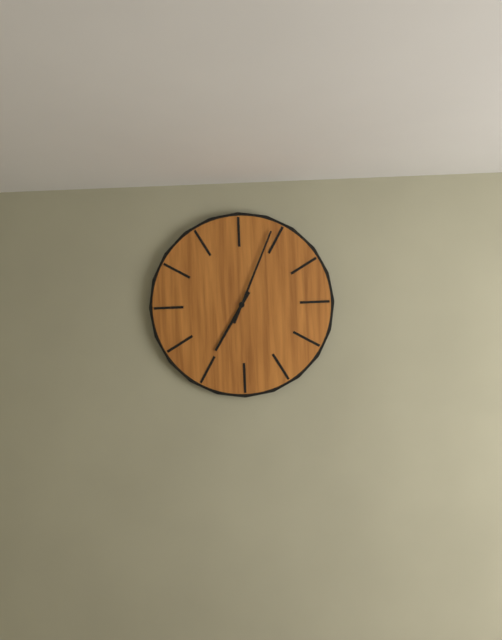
{"hour": 7, "minute": 4}
